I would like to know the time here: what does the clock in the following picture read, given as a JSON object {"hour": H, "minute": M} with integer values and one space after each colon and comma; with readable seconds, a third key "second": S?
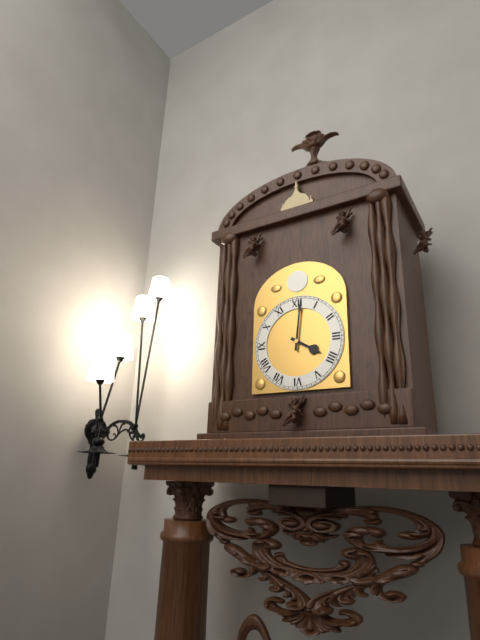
{"hour": 4, "minute": 1}
